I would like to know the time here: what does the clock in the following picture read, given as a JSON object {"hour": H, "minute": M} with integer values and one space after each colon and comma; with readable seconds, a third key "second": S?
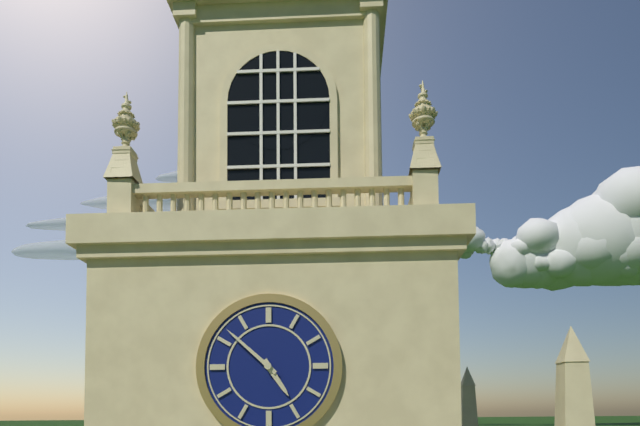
{"hour": 4, "minute": 52}
